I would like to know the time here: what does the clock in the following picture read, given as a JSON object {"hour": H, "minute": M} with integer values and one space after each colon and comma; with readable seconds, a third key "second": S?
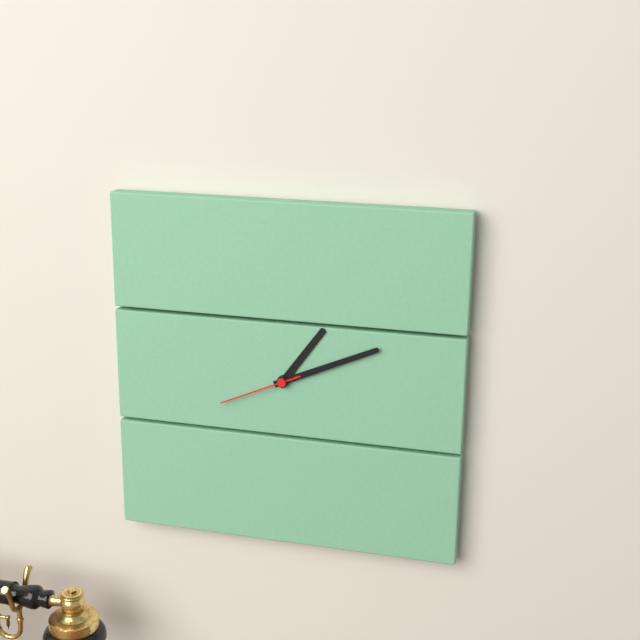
{"hour": 1, "minute": 11, "second": 41}
